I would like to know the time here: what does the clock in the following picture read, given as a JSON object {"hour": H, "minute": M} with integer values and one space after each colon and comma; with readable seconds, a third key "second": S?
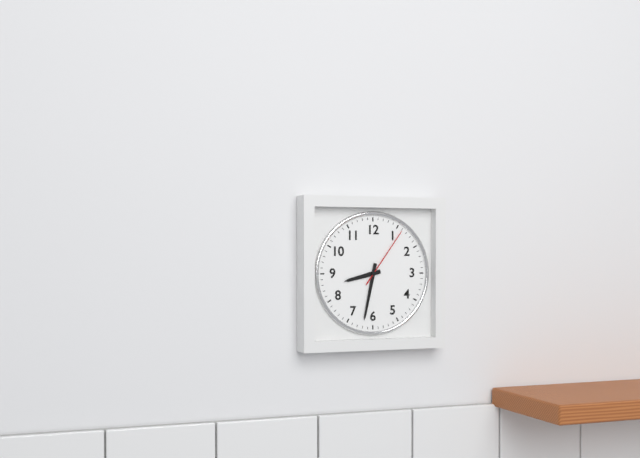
{"hour": 8, "minute": 32, "second": 6}
